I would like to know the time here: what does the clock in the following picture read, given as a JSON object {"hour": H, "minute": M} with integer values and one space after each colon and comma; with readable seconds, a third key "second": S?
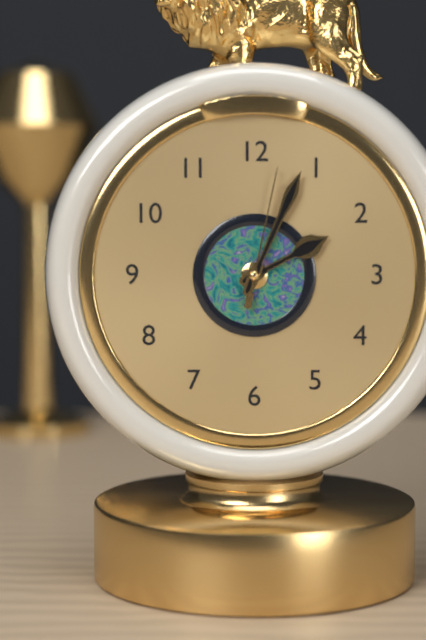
{"hour": 2, "minute": 4, "second": 2}
